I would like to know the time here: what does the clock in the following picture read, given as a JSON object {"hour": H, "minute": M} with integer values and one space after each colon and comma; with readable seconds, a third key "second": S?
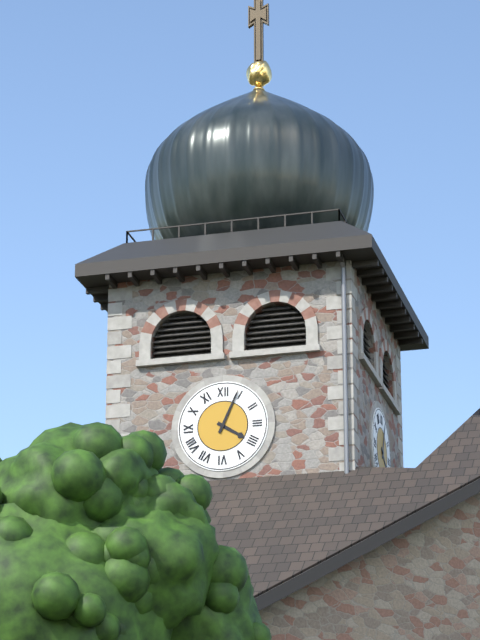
{"hour": 4, "minute": 4}
